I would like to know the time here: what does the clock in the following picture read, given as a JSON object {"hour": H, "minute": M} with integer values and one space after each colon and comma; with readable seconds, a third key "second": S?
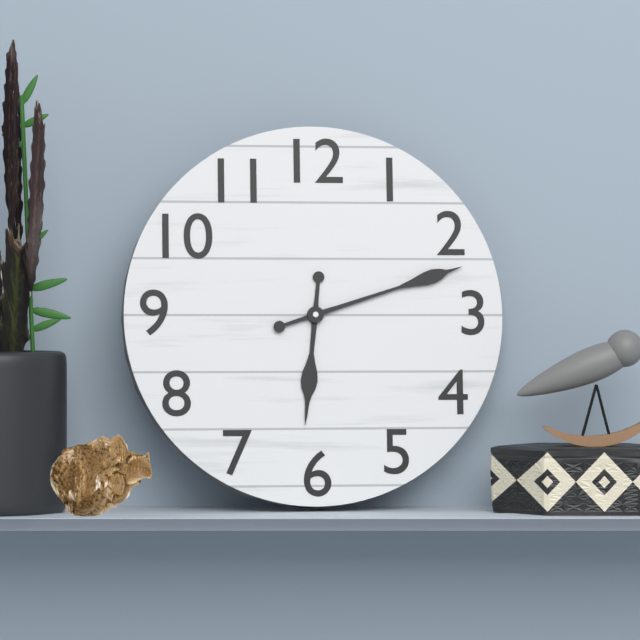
{"hour": 6, "minute": 12}
